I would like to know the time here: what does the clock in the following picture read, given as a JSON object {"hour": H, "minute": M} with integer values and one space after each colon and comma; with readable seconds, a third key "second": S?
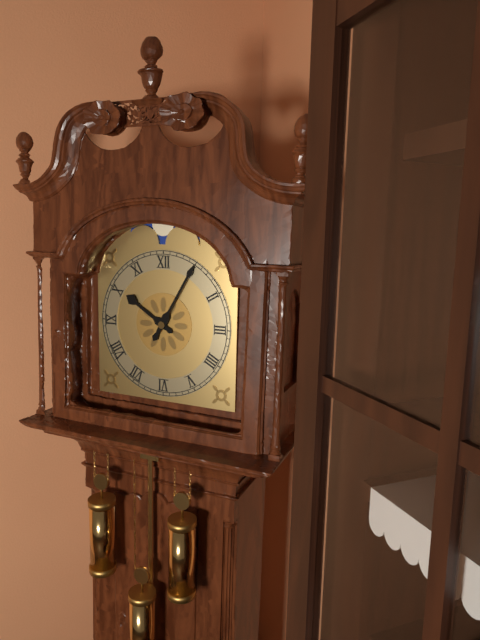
{"hour": 10, "minute": 5}
